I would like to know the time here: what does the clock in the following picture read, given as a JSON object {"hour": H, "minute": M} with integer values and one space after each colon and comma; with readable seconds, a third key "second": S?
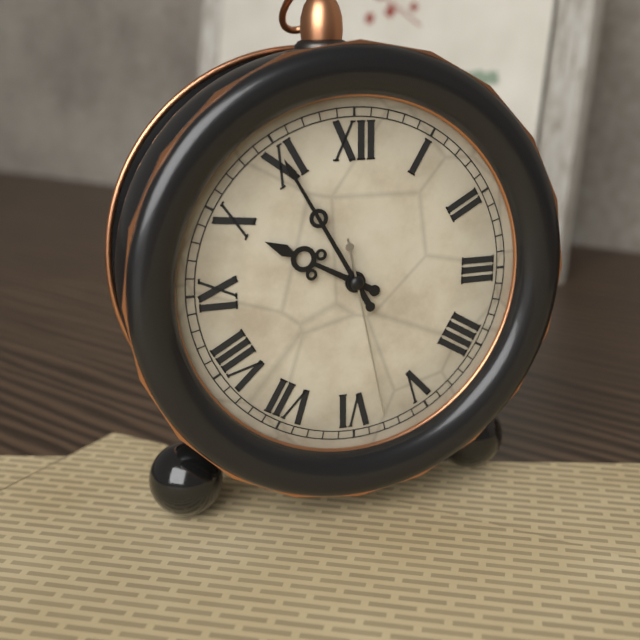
{"hour": 9, "minute": 55, "second": 28}
